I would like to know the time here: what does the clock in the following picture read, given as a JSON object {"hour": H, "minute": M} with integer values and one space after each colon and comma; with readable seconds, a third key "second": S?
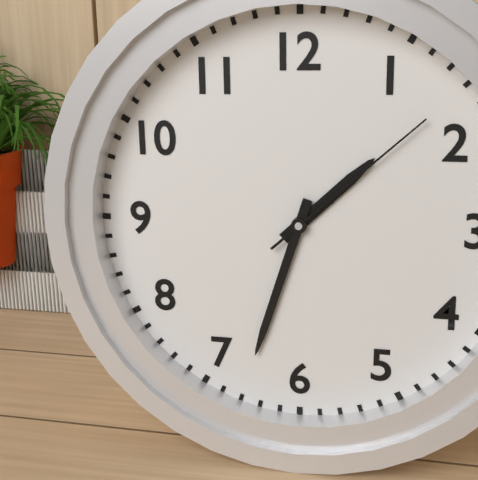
{"hour": 1, "minute": 33, "second": 8}
